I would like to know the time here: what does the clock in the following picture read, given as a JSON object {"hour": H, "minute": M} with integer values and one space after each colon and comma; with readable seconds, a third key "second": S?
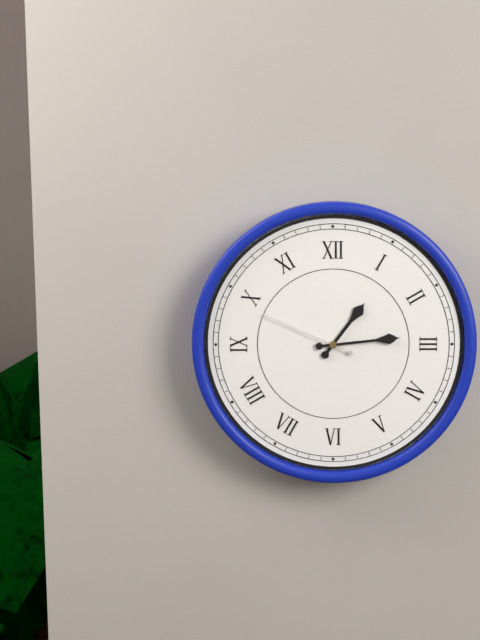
{"hour": 1, "minute": 14, "second": 49}
